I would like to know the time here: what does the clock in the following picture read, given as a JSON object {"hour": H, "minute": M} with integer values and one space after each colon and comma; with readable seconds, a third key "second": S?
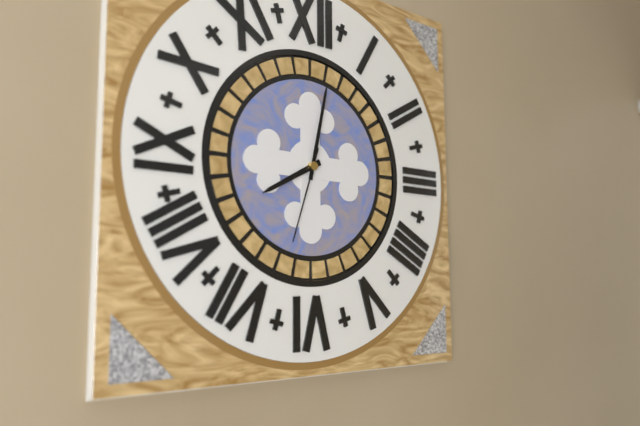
{"hour": 8, "minute": 2, "second": 33}
